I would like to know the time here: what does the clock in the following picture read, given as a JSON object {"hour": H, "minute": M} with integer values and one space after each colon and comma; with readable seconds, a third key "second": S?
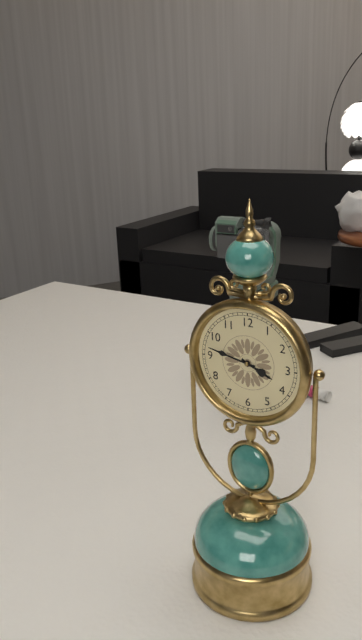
{"hour": 3, "minute": 47}
